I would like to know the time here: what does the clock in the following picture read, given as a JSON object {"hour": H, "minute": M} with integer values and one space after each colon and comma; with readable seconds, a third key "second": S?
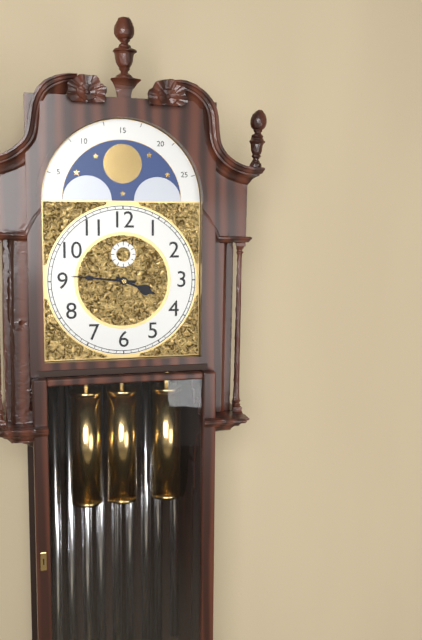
{"hour": 3, "minute": 46}
